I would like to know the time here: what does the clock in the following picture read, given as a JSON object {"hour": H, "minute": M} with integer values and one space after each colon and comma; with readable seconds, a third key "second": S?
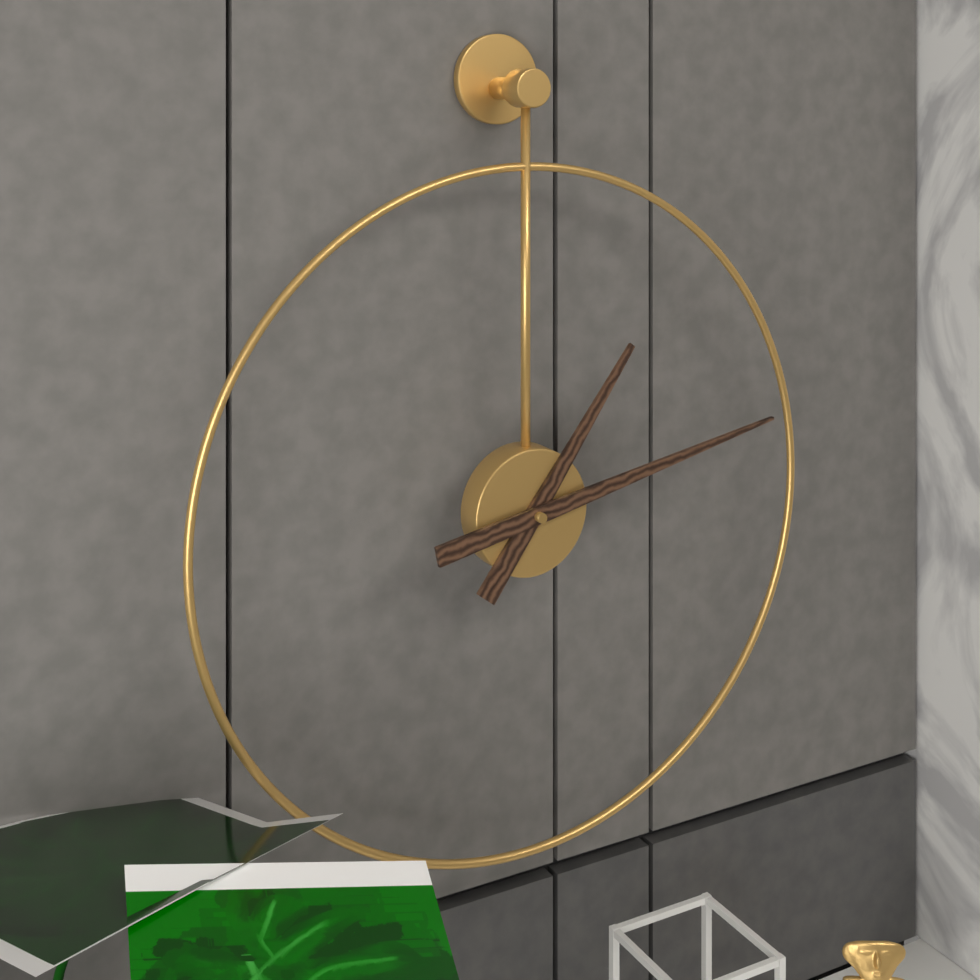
{"hour": 1, "minute": 13}
